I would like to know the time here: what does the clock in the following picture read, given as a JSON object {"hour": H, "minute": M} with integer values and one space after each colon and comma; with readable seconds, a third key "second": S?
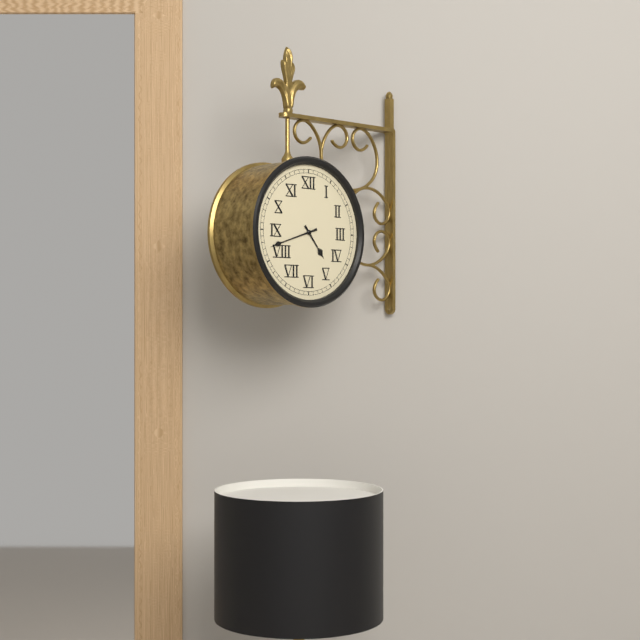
{"hour": 4, "minute": 42}
